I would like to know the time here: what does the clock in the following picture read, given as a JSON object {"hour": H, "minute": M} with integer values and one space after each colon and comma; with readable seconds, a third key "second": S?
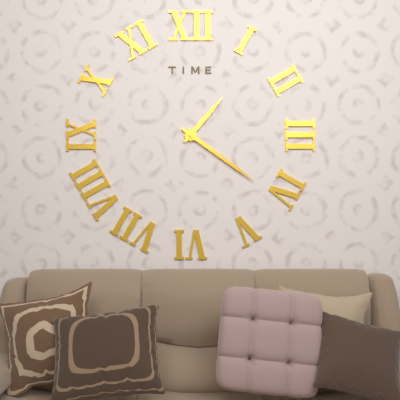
{"hour": 1, "minute": 21}
